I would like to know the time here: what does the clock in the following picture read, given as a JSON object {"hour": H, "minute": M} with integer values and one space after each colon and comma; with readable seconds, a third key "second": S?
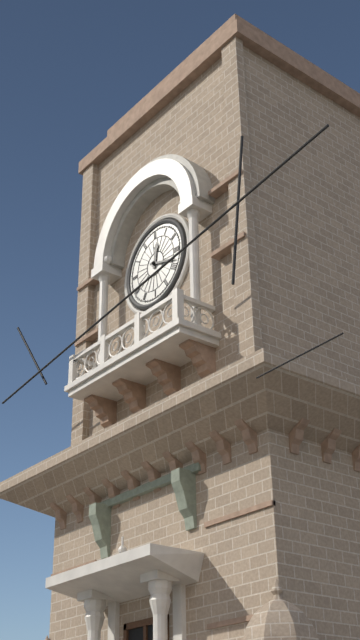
{"hour": 12, "minute": 18}
